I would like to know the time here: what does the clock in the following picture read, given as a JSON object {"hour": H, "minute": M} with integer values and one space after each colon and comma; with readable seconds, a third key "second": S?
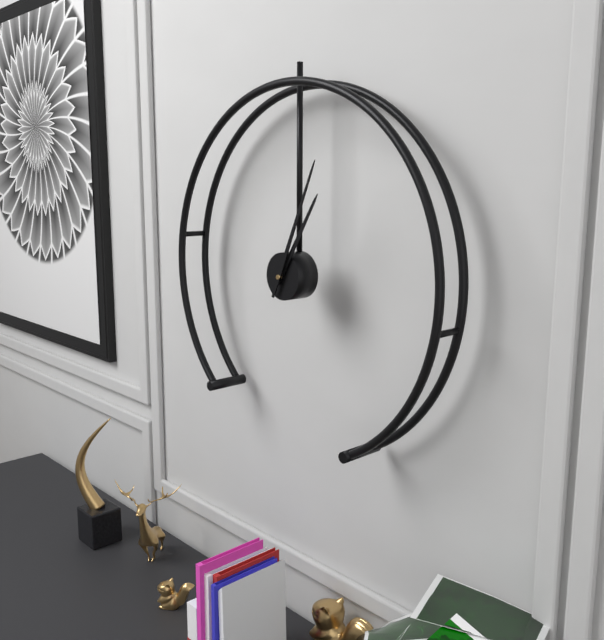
{"hour": 1, "minute": 4}
